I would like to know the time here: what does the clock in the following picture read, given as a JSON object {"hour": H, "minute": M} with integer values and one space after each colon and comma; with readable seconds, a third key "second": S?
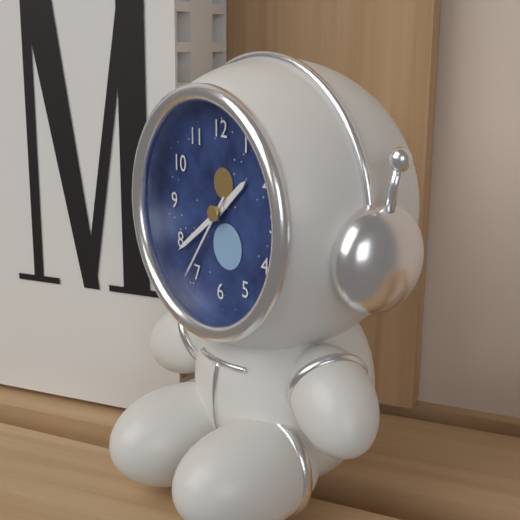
{"hour": 1, "minute": 39, "second": 36}
